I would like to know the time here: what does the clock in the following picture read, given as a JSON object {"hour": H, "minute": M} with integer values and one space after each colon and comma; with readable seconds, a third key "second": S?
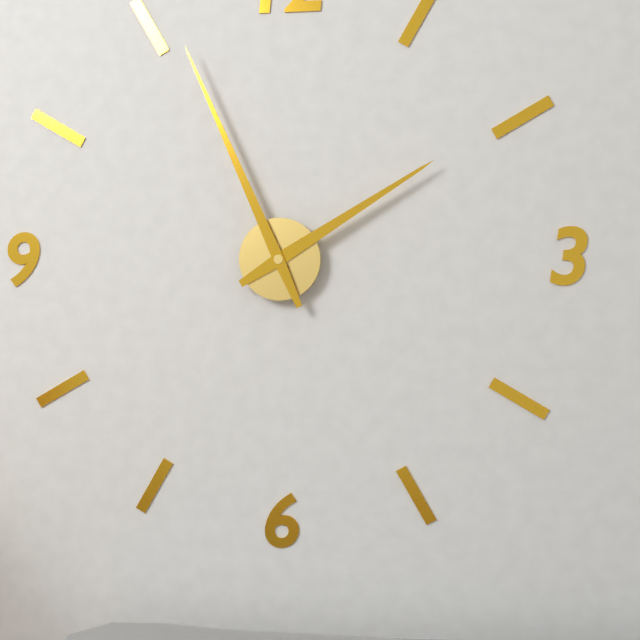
{"hour": 1, "minute": 56}
